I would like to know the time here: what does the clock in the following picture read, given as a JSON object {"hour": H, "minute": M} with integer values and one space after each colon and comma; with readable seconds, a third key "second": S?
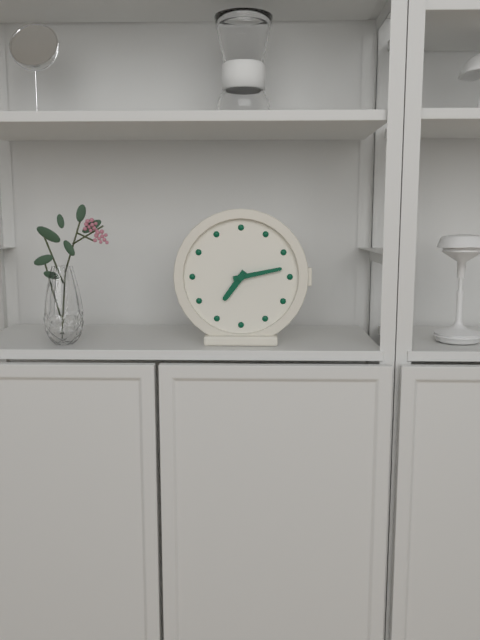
{"hour": 7, "minute": 13}
